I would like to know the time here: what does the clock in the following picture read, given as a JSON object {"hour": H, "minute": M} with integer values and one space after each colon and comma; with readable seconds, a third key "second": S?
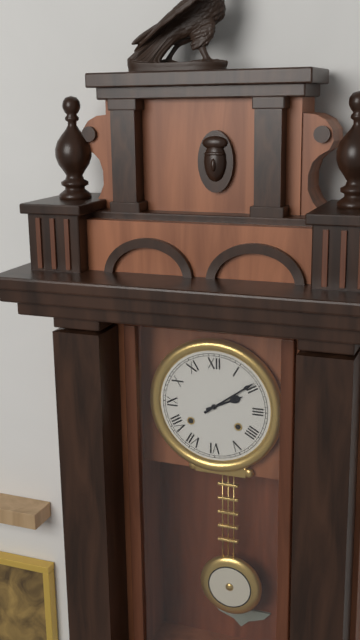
{"hour": 2, "minute": 9}
